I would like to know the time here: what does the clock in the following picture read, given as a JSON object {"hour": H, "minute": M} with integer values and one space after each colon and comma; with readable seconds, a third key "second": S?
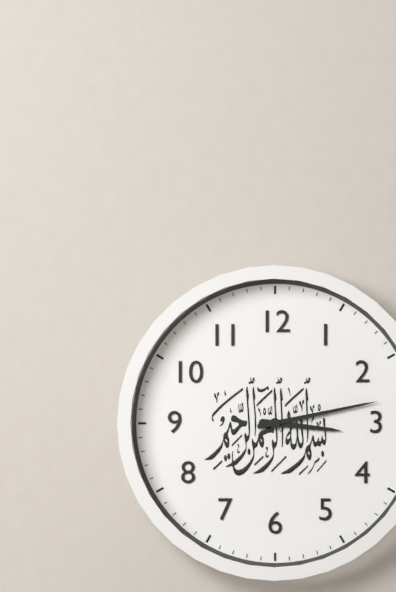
{"hour": 3, "minute": 13}
